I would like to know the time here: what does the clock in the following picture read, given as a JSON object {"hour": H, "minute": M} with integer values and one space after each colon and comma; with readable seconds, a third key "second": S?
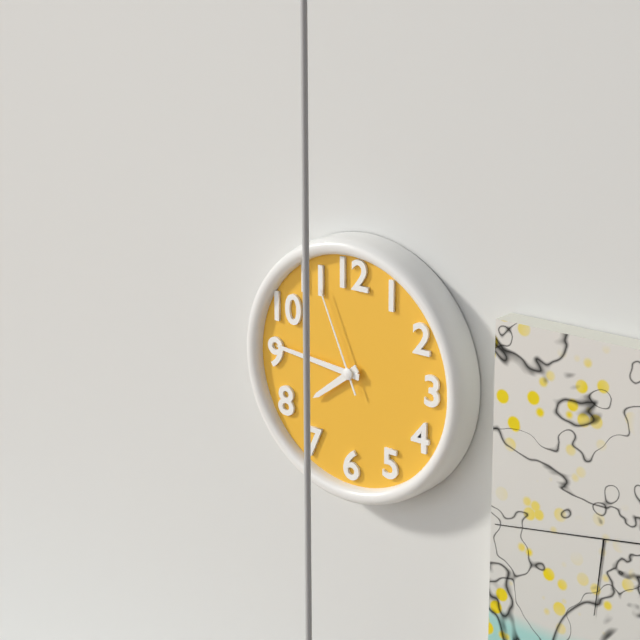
{"hour": 7, "minute": 46, "second": 56}
